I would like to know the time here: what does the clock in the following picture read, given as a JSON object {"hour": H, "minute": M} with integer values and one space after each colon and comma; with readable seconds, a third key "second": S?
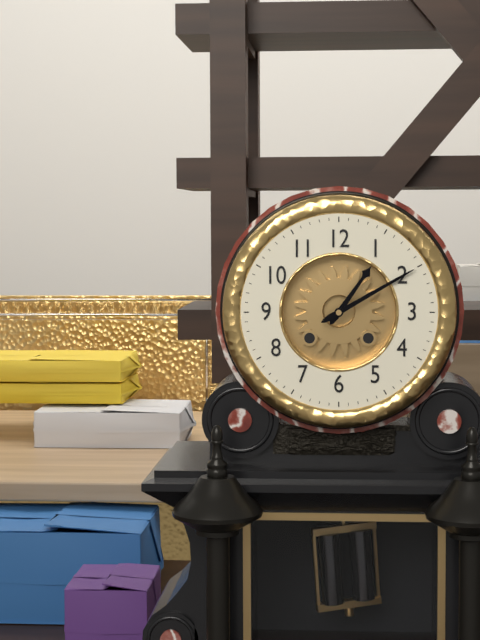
{"hour": 1, "minute": 10}
